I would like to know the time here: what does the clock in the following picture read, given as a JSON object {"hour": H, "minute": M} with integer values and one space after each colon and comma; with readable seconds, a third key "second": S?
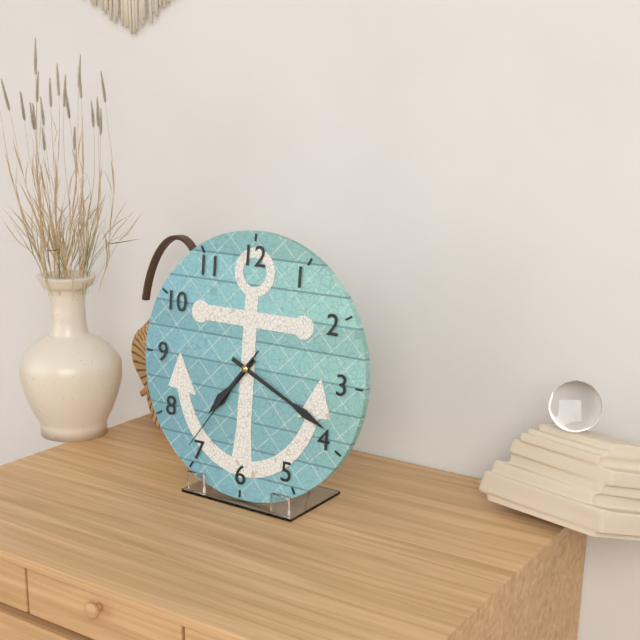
{"hour": 7, "minute": 19, "second": 36}
